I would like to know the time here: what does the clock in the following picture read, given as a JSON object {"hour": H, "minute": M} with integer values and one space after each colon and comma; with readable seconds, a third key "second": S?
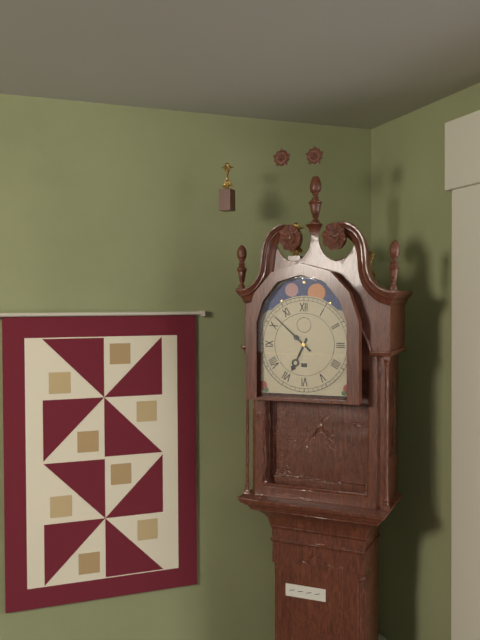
{"hour": 6, "minute": 52}
